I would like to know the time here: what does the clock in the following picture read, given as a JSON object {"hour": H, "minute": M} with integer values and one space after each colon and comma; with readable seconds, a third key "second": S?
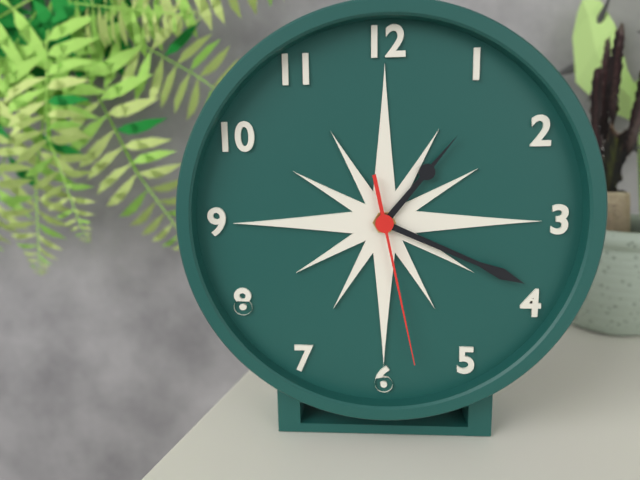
{"hour": 1, "minute": 19, "second": 28}
